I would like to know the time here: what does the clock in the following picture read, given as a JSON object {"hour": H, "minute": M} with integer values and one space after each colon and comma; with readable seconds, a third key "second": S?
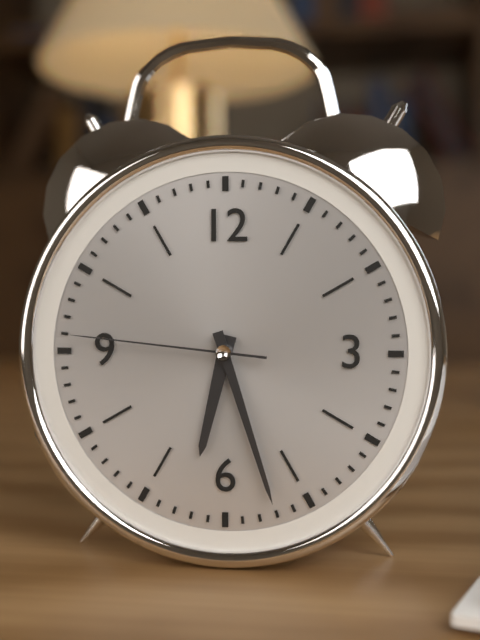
{"hour": 6, "minute": 27, "second": 46}
